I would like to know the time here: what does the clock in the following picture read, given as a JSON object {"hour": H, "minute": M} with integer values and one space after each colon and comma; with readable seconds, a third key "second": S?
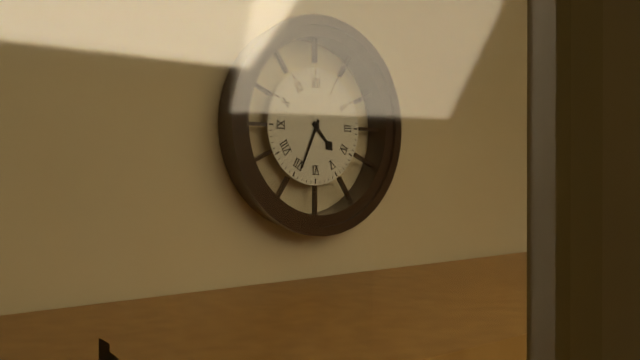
{"hour": 4, "minute": 34}
